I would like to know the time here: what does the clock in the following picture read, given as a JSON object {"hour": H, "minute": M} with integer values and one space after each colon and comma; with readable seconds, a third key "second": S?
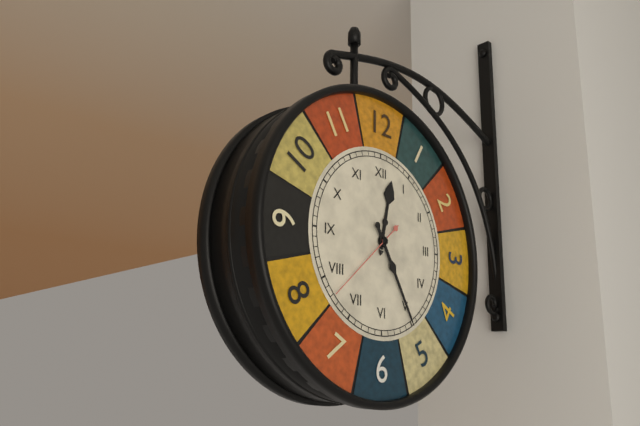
{"hour": 12, "minute": 25, "second": 38}
